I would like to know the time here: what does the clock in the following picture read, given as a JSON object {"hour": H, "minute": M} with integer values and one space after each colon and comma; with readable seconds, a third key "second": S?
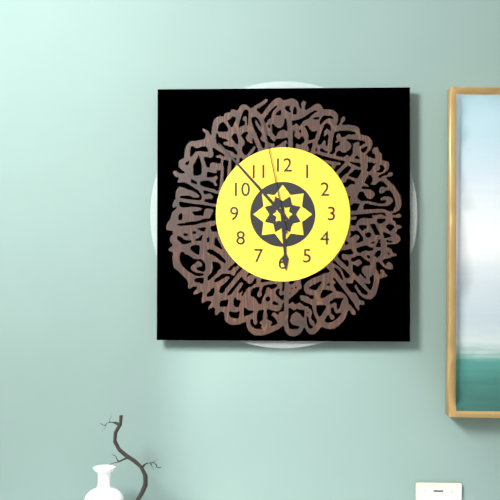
{"hour": 5, "minute": 53, "second": 58}
